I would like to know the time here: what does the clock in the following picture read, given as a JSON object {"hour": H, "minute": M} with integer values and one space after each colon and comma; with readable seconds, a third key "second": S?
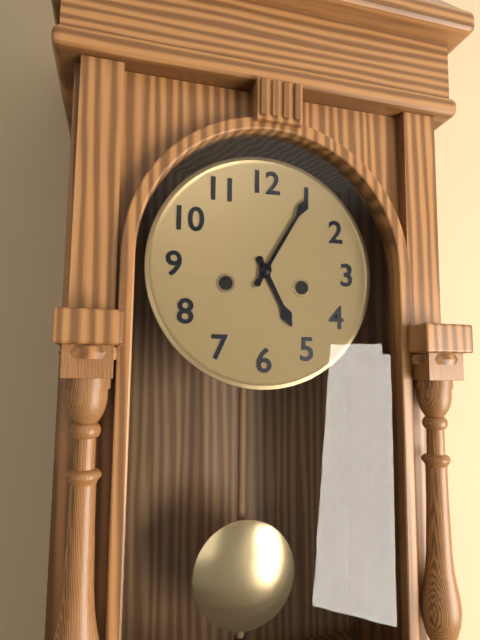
{"hour": 5, "minute": 5}
